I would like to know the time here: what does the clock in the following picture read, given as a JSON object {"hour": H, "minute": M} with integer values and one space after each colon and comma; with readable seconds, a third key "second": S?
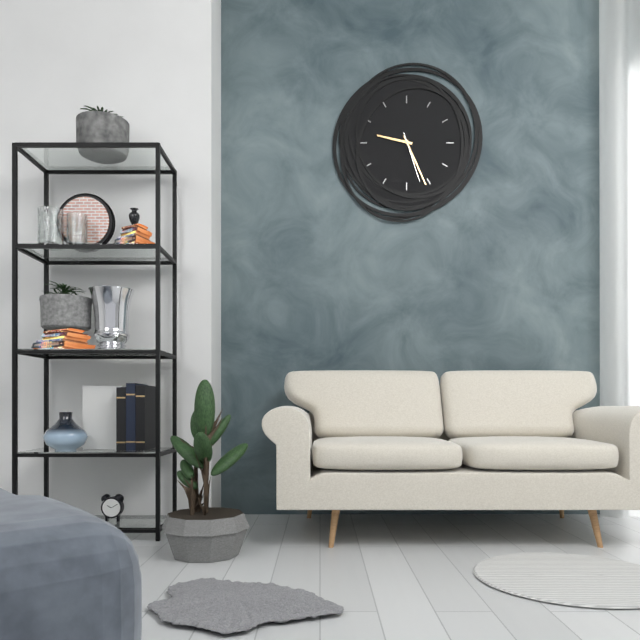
{"hour": 9, "minute": 26, "second": 27}
